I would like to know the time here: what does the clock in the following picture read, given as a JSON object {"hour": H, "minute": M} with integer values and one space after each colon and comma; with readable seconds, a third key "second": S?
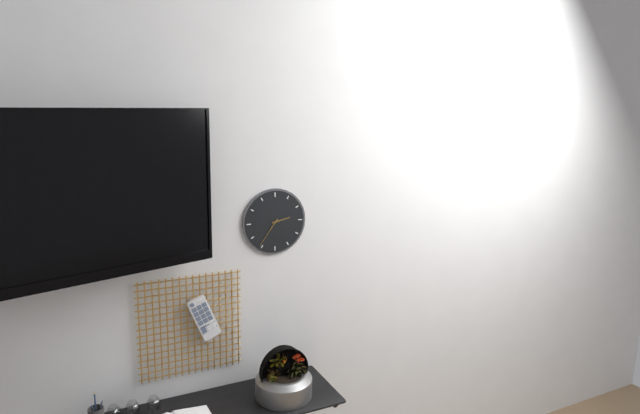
{"hour": 2, "minute": 36}
